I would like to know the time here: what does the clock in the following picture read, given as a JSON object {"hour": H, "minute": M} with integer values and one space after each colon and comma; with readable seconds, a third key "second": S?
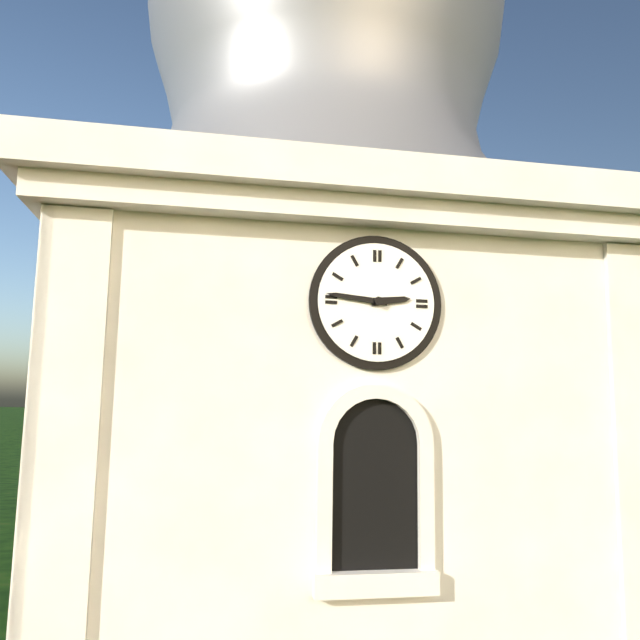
{"hour": 2, "minute": 46}
